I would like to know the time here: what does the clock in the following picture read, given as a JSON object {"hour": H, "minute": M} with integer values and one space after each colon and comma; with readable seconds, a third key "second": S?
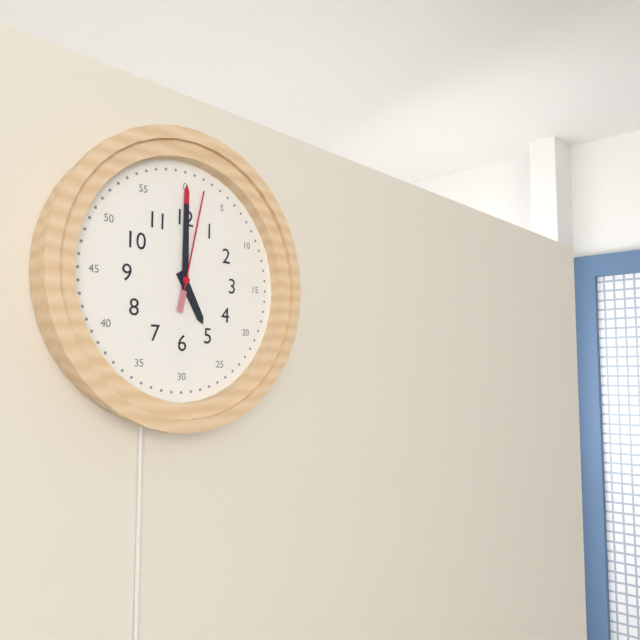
{"hour": 5, "minute": 0, "second": 2}
